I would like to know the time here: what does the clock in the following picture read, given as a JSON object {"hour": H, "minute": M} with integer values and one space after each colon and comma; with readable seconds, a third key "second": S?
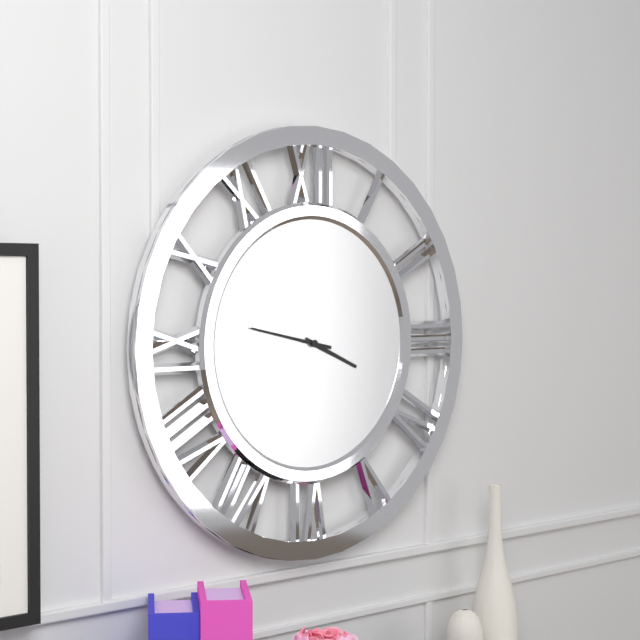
{"hour": 3, "minute": 47}
